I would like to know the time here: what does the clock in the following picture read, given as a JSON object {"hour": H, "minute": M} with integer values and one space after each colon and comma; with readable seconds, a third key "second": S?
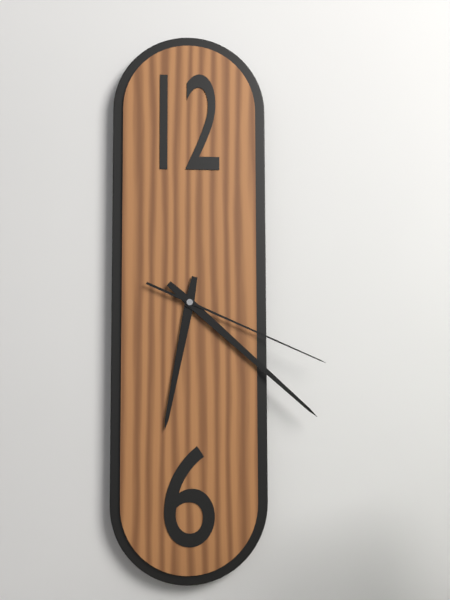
{"hour": 6, "minute": 22, "second": 19}
